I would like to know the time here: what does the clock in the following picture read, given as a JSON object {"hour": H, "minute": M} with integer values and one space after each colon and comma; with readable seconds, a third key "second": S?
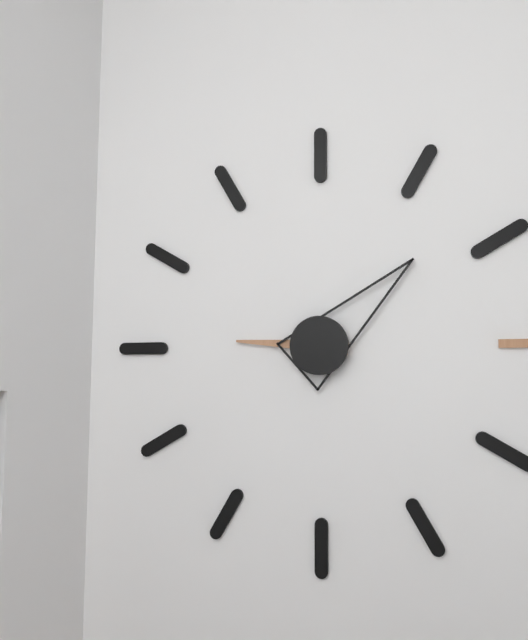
{"hour": 9, "minute": 8}
